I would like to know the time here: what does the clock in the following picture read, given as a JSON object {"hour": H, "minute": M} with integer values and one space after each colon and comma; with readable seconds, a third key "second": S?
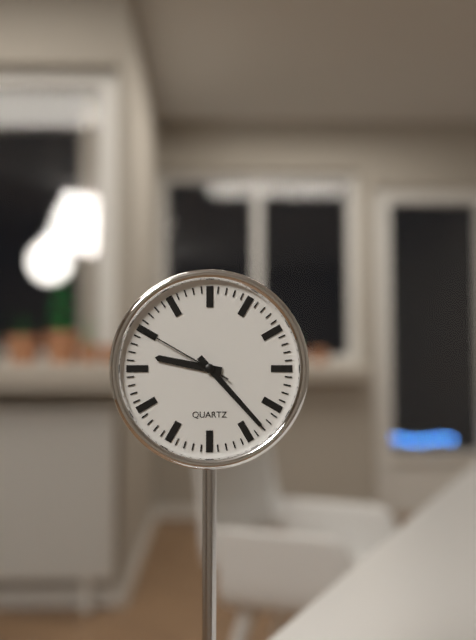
{"hour": 9, "minute": 23, "second": 50}
